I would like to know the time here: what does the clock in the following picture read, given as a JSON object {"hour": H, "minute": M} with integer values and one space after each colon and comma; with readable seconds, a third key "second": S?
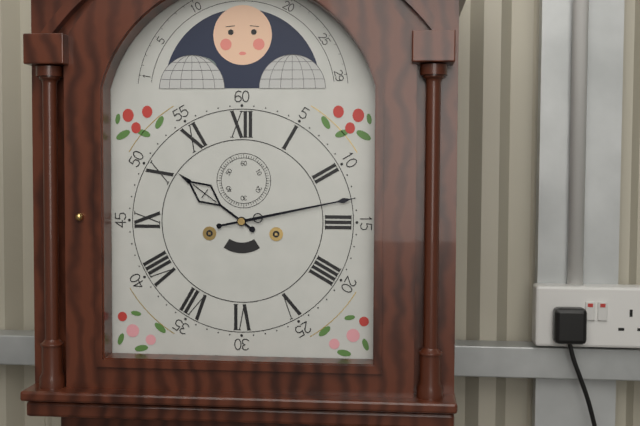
{"hour": 10, "minute": 13}
